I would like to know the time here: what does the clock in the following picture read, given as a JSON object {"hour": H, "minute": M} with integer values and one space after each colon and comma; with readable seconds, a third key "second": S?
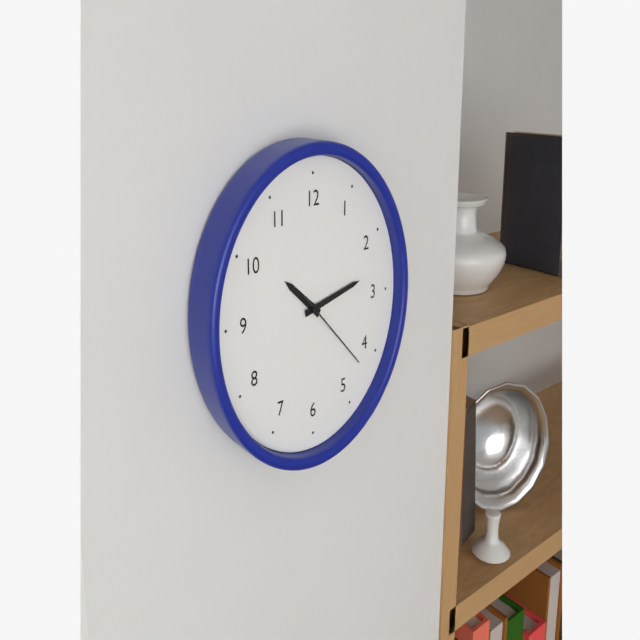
{"hour": 10, "minute": 13, "second": 22}
